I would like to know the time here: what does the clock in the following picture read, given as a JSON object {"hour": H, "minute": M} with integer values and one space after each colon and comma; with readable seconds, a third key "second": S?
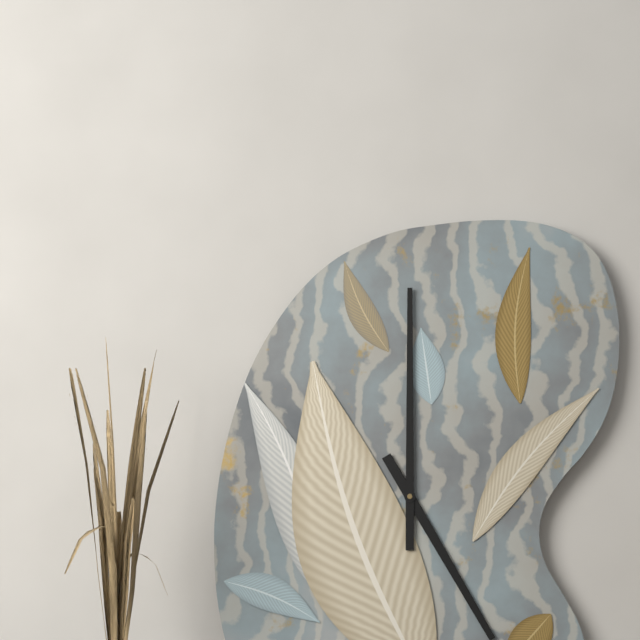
{"hour": 5, "minute": 0}
